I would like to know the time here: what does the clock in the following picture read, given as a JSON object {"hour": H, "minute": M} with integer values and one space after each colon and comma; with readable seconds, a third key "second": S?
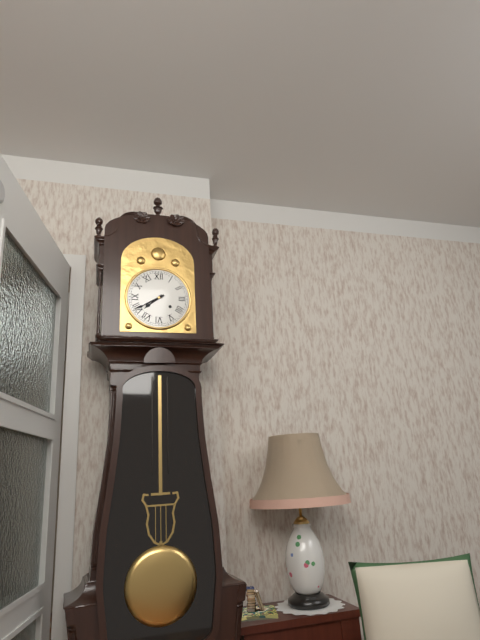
{"hour": 7, "minute": 40}
